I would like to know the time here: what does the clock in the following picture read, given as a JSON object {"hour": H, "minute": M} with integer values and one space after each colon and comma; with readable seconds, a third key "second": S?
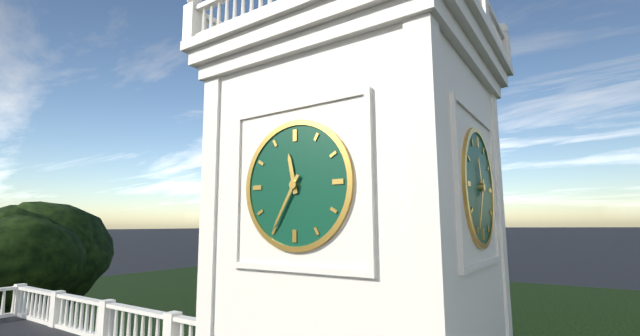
{"hour": 11, "minute": 35}
